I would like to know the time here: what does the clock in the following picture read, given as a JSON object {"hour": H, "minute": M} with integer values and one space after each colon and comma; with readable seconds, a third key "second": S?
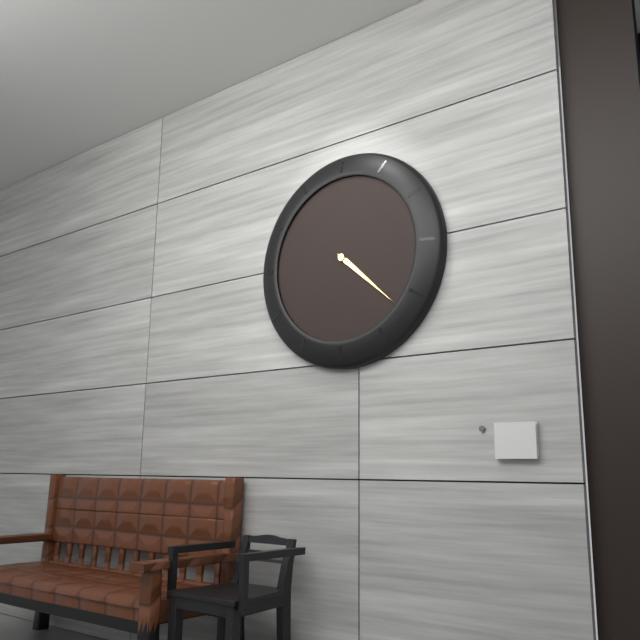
{"hour": 4, "minute": 22}
